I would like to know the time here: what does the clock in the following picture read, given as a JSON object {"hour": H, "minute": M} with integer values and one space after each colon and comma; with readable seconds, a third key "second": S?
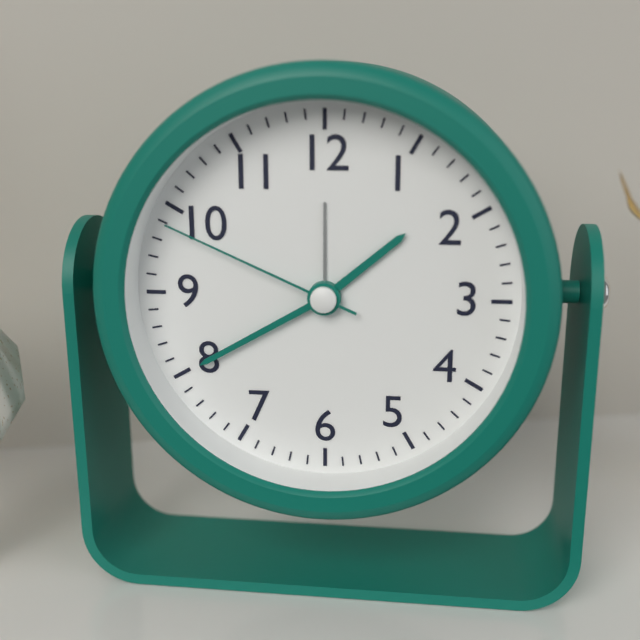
{"hour": 1, "minute": 40, "second": 49}
